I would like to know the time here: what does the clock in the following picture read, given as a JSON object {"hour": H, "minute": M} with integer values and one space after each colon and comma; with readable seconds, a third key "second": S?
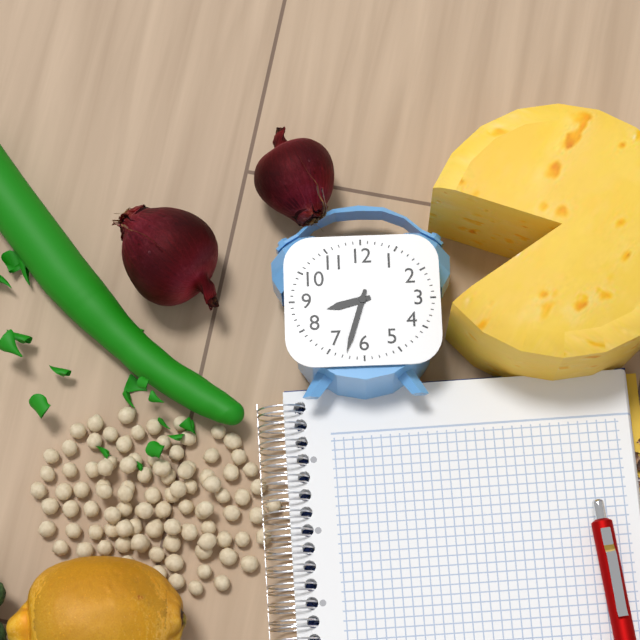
{"hour": 8, "minute": 33}
